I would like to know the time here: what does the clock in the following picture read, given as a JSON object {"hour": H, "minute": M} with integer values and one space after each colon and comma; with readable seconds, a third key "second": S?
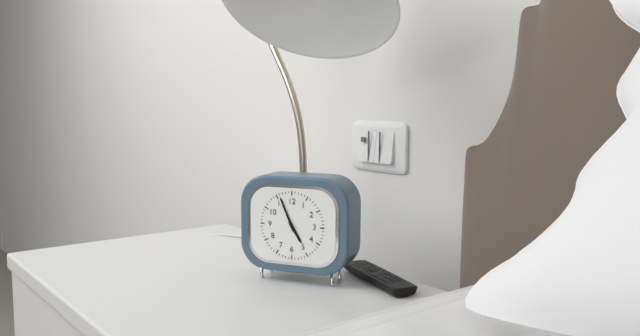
{"hour": 4, "minute": 56}
